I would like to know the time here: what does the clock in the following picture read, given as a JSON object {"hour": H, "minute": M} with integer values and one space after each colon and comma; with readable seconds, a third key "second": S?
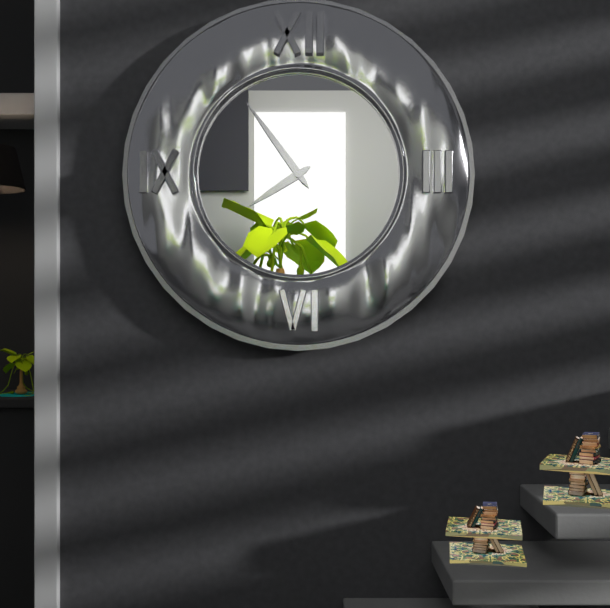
{"hour": 7, "minute": 54}
